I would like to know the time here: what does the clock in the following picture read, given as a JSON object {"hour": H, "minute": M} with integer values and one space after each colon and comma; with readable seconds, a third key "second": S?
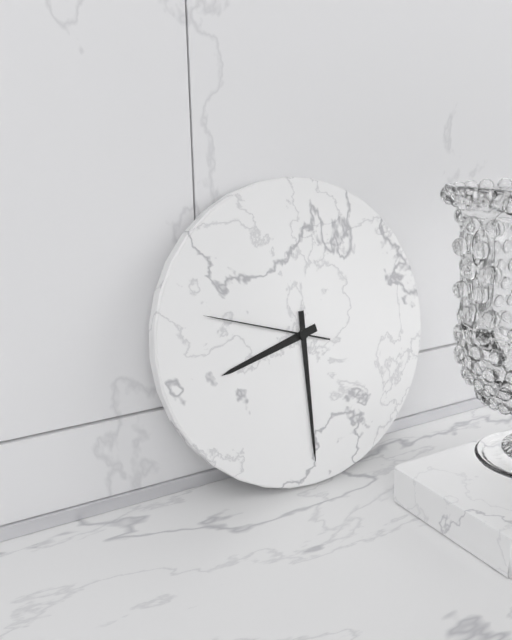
{"hour": 8, "minute": 30, "second": 48}
